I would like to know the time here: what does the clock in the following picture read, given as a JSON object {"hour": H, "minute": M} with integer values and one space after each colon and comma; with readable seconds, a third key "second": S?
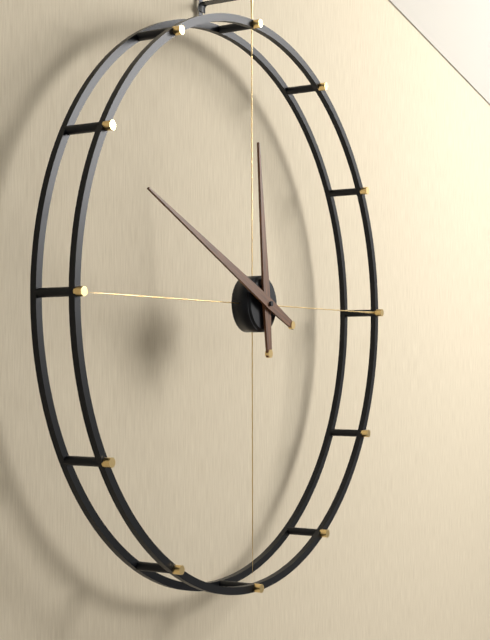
{"hour": 11, "minute": 49}
